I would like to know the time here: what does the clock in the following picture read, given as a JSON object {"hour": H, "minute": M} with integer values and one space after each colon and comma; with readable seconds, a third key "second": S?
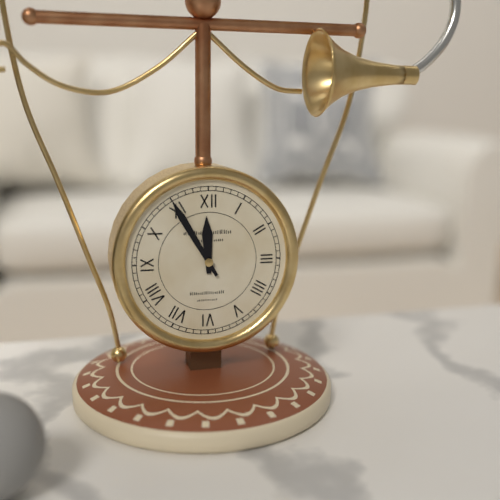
{"hour": 11, "minute": 55}
